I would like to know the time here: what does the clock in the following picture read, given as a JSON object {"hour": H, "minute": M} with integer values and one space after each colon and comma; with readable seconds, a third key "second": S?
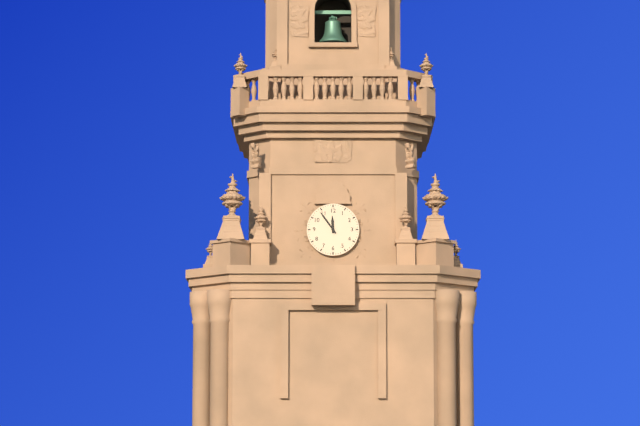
{"hour": 11, "minute": 54}
